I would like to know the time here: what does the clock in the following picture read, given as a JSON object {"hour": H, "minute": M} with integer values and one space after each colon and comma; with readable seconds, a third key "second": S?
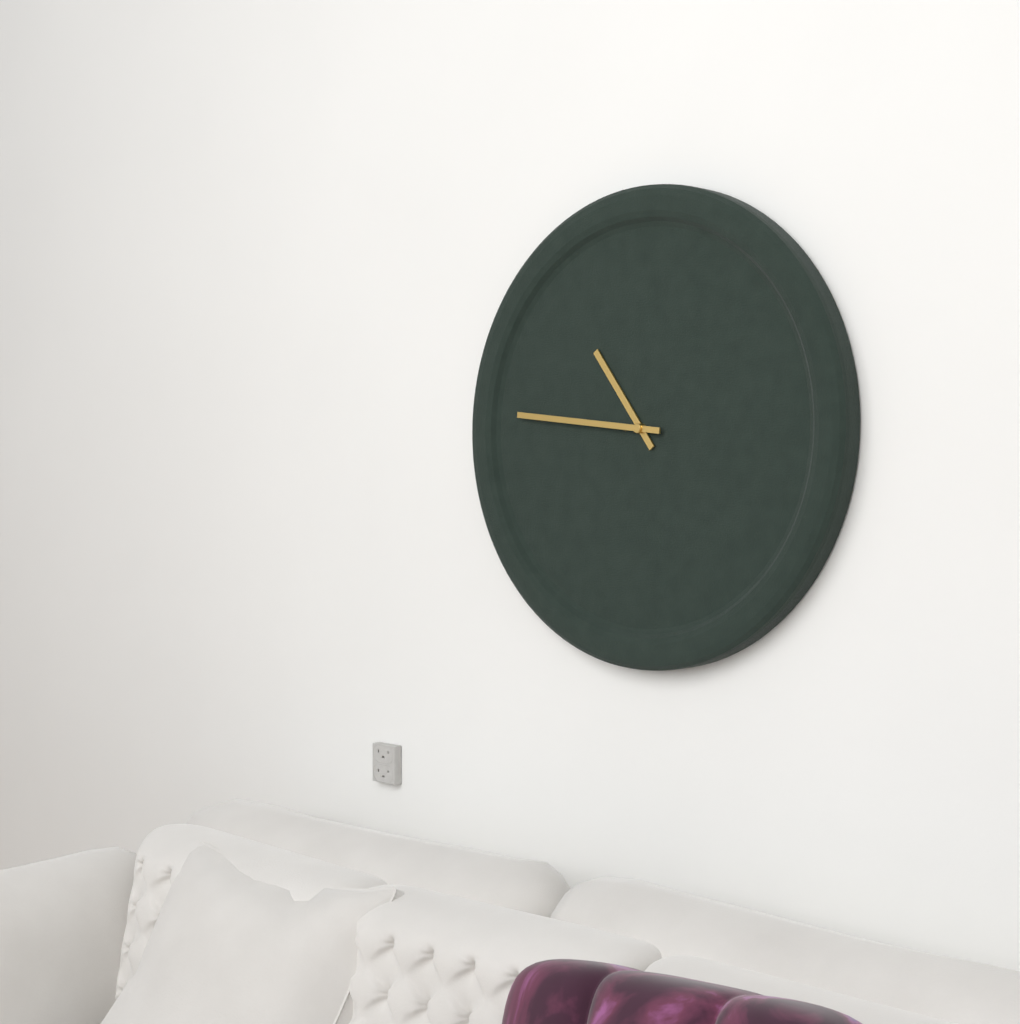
{"hour": 10, "minute": 46}
